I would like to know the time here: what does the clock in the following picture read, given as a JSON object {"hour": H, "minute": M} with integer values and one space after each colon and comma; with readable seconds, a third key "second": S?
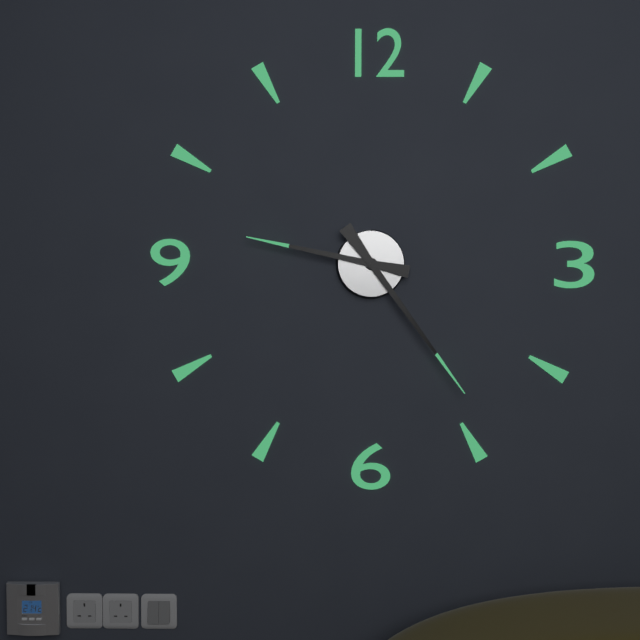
{"hour": 9, "minute": 24}
